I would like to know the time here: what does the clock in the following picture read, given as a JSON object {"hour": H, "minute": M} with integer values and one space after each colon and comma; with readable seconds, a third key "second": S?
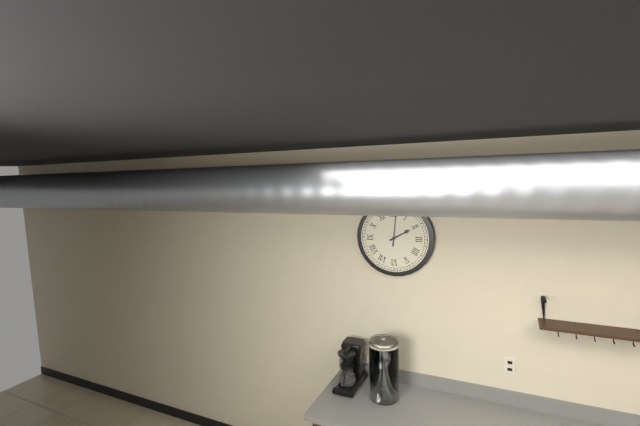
{"hour": 2, "minute": 1}
